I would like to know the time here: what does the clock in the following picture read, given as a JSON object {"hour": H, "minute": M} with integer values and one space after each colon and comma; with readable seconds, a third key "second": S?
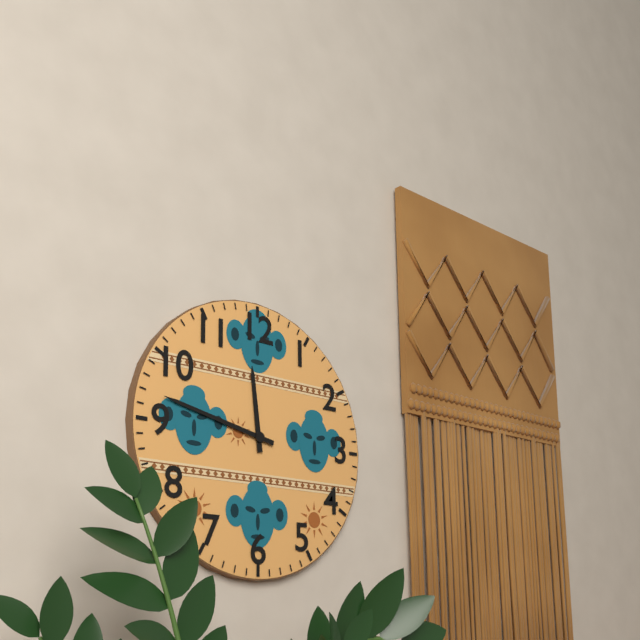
{"hour": 11, "minute": 47}
